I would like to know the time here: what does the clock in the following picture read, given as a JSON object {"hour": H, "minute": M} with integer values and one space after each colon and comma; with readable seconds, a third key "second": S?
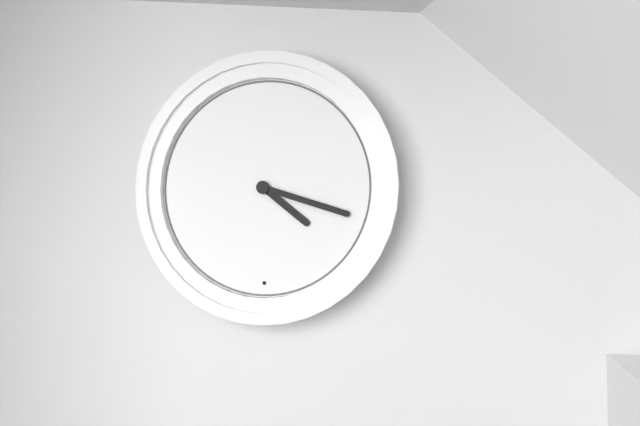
{"hour": 4, "minute": 18}
